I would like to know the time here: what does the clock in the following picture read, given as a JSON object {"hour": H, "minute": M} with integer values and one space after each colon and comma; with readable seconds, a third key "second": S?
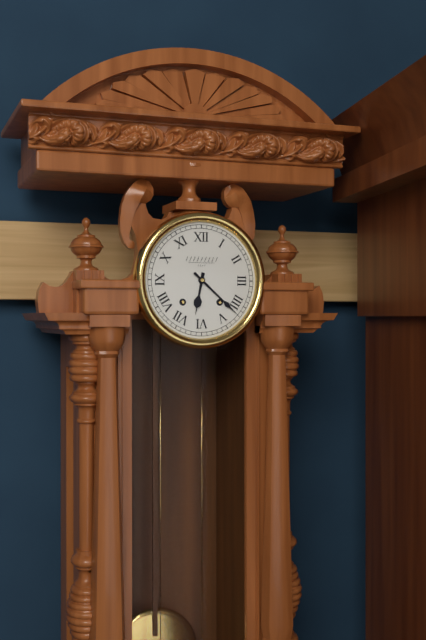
{"hour": 6, "minute": 22}
